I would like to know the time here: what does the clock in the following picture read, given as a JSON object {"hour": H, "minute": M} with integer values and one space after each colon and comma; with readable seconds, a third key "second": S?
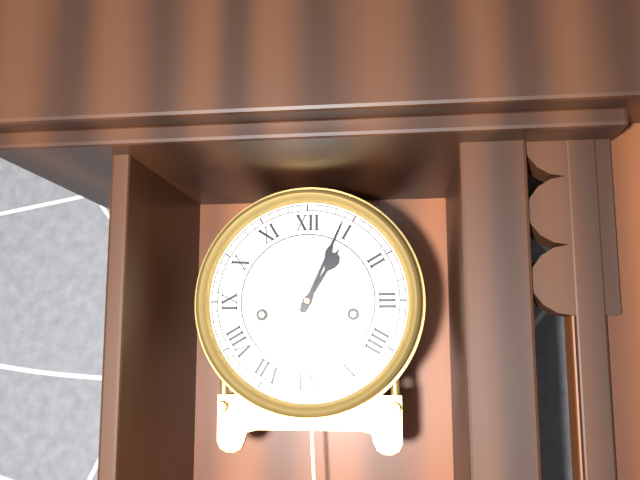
{"hour": 1, "minute": 4}
